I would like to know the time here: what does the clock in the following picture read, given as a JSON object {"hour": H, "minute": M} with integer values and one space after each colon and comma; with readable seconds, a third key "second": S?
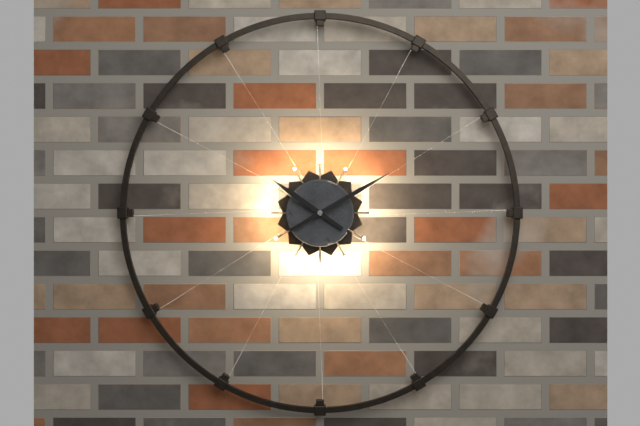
{"hour": 10, "minute": 10}
